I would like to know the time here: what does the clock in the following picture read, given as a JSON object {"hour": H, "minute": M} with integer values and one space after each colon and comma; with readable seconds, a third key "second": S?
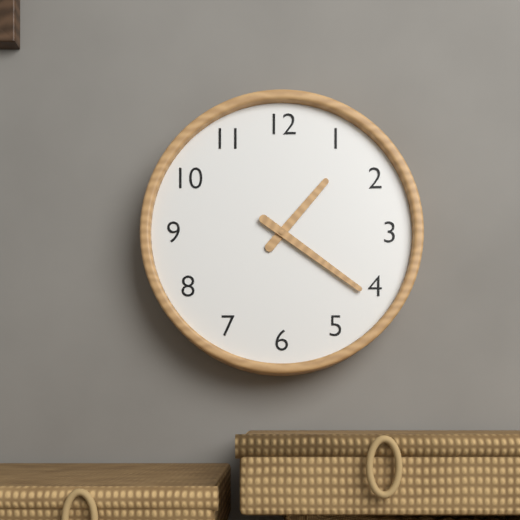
{"hour": 1, "minute": 21}
